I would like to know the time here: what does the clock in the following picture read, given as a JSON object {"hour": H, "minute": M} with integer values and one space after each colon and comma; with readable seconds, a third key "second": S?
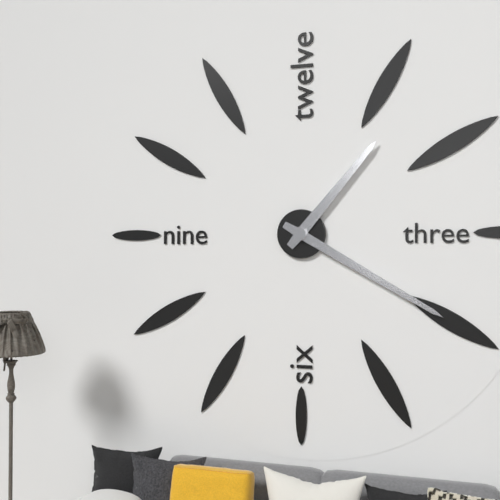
{"hour": 1, "minute": 20}
